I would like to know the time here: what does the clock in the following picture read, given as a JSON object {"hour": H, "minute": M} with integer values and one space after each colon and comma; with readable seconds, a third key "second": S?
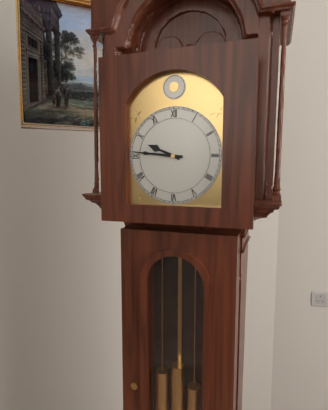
{"hour": 9, "minute": 46}
